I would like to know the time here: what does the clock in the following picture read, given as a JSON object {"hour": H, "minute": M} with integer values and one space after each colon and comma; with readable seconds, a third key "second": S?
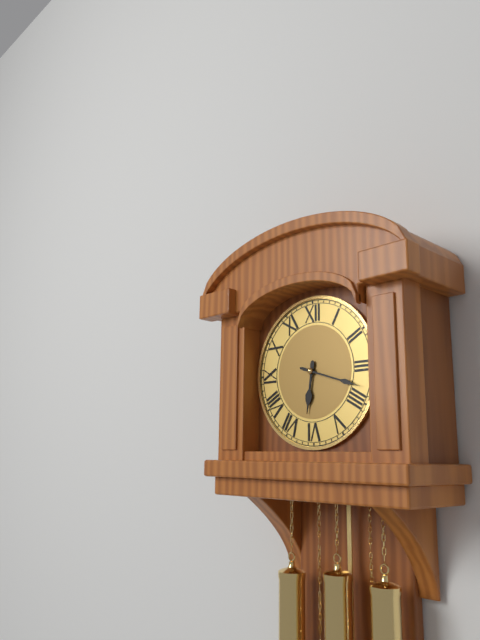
{"hour": 6, "minute": 18}
